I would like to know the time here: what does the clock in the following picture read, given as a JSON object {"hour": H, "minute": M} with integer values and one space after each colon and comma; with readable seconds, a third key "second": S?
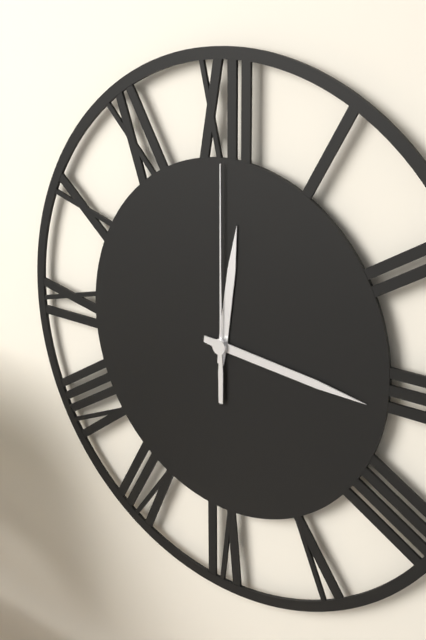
{"hour": 12, "minute": 16, "second": 0}
